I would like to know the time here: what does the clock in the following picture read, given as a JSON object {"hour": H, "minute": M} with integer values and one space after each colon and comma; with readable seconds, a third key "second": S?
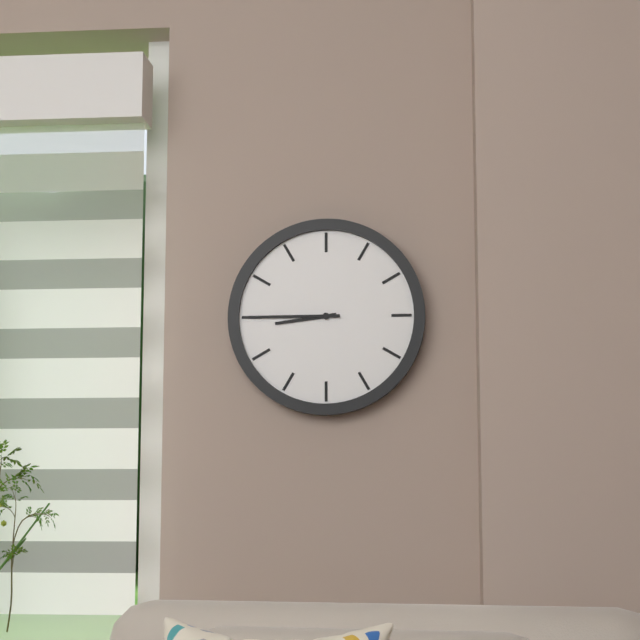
{"hour": 8, "minute": 45}
